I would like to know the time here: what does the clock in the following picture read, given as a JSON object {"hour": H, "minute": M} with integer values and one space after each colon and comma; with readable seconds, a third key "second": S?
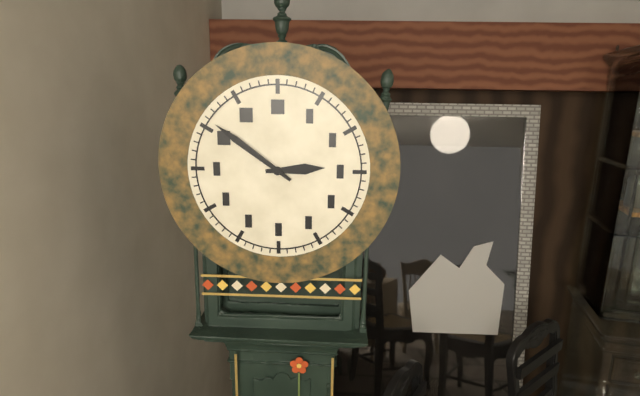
{"hour": 2, "minute": 51}
